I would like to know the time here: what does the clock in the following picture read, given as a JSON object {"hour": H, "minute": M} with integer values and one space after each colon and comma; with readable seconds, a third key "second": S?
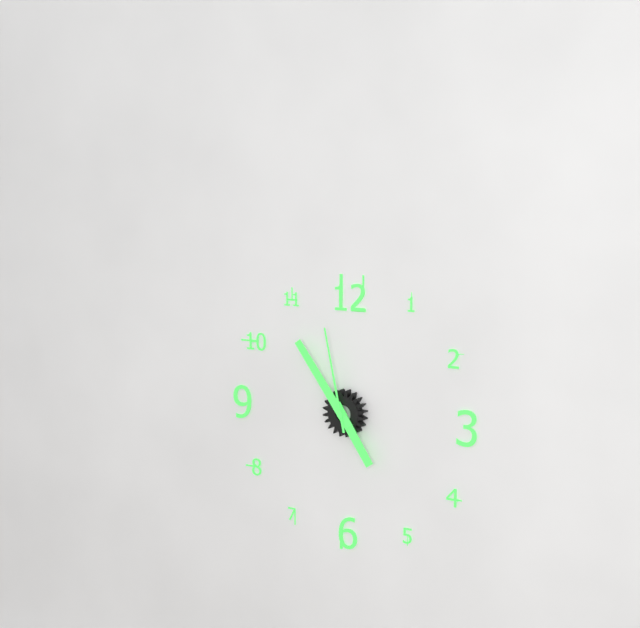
{"hour": 4, "minute": 54, "second": 58}
